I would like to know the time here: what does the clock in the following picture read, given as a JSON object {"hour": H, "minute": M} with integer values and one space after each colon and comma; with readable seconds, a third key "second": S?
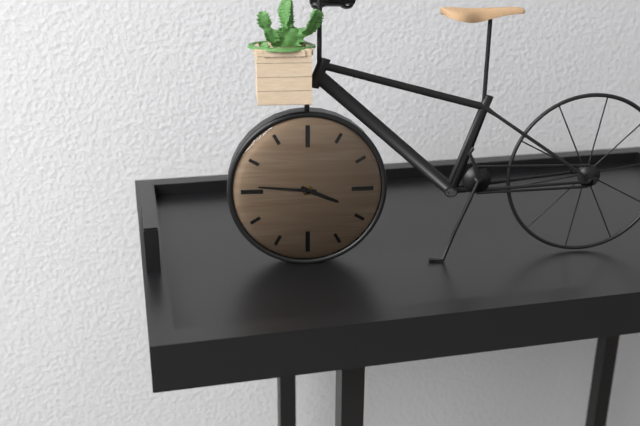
{"hour": 3, "minute": 46}
